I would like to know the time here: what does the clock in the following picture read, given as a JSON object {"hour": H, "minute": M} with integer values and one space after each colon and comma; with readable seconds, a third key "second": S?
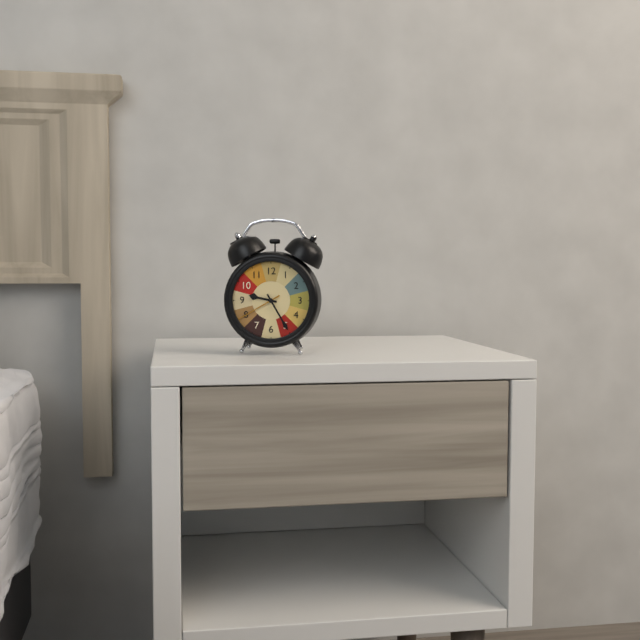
{"hour": 9, "minute": 25}
